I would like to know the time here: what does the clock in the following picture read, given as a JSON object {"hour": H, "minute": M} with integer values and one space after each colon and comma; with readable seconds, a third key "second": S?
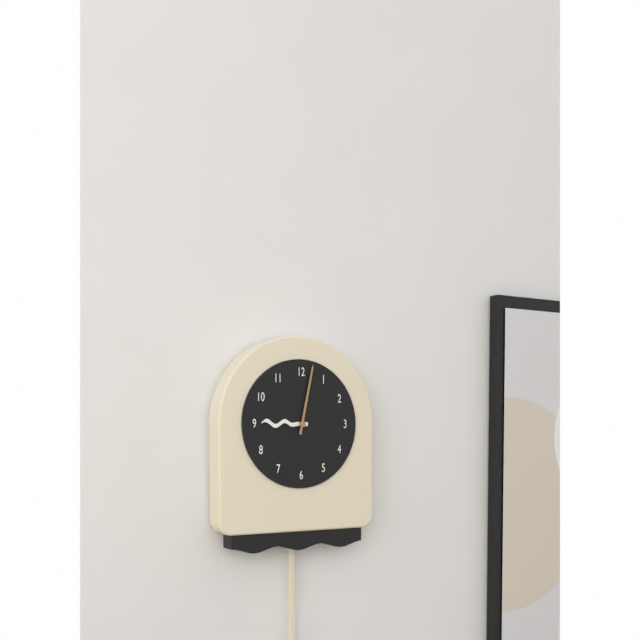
{"hour": 9, "minute": 2}
